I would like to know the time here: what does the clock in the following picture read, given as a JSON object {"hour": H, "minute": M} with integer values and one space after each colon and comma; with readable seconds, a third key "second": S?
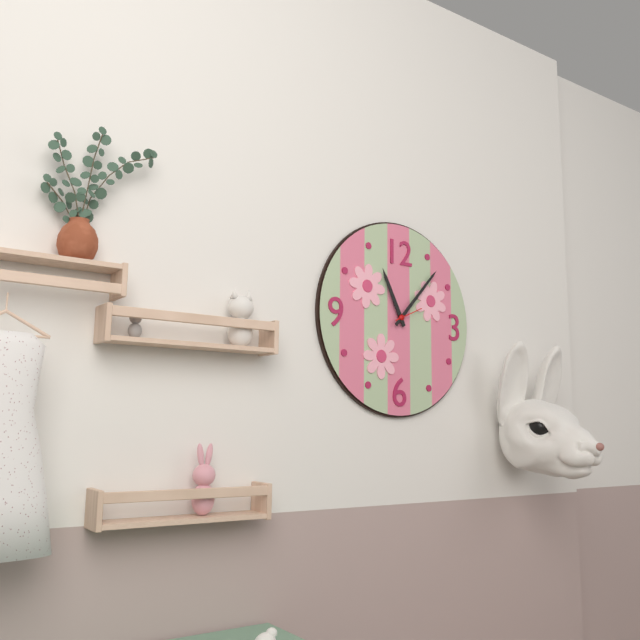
{"hour": 11, "minute": 7}
